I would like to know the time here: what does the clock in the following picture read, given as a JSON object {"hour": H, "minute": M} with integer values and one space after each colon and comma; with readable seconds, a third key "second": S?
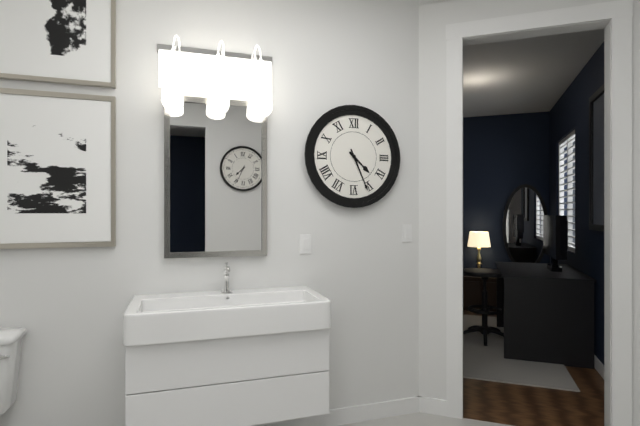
{"hour": 4, "minute": 26}
